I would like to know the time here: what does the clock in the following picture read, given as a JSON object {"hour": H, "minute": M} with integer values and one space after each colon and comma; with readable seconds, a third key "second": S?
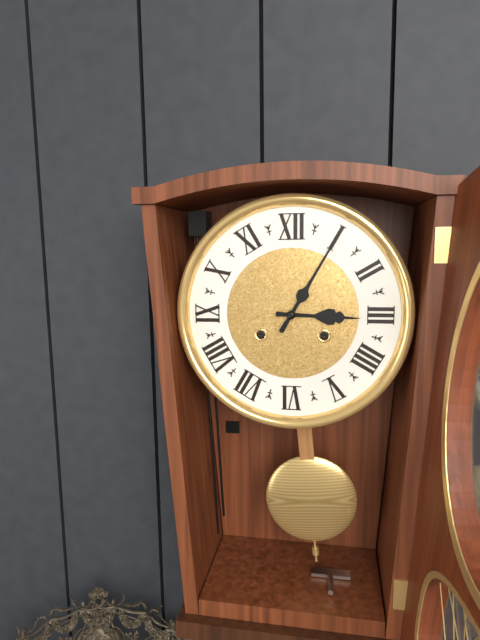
{"hour": 3, "minute": 5}
